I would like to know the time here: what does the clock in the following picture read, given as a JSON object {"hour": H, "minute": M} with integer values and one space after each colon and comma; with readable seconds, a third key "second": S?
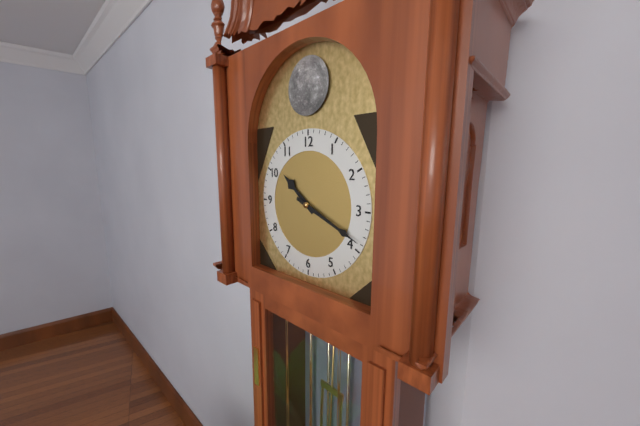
{"hour": 10, "minute": 19}
